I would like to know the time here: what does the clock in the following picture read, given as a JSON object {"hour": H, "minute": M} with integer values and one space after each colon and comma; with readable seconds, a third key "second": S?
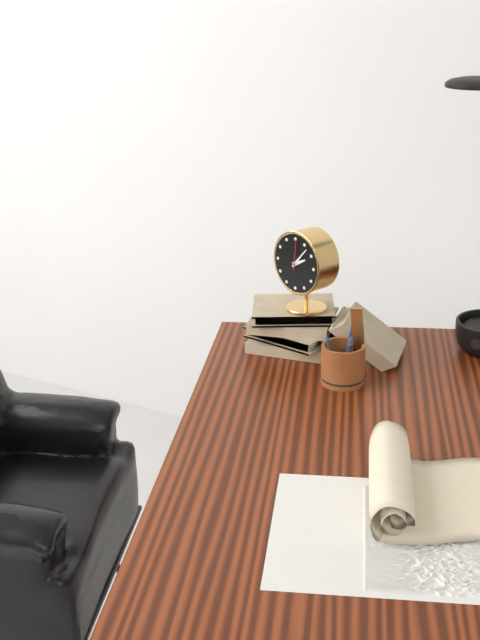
{"hour": 2, "minute": 7}
